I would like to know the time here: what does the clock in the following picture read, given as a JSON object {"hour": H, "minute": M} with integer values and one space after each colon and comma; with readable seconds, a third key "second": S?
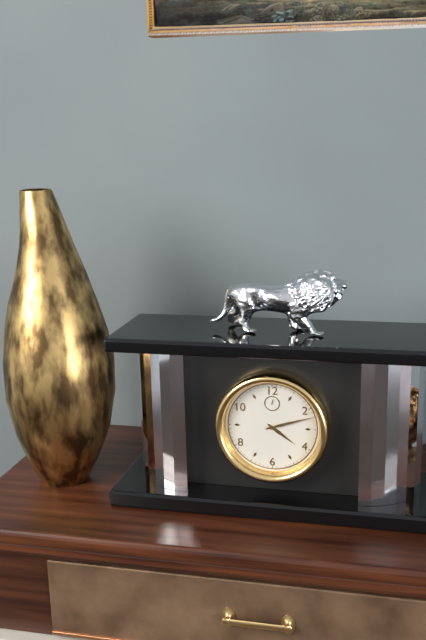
{"hour": 4, "minute": 12}
